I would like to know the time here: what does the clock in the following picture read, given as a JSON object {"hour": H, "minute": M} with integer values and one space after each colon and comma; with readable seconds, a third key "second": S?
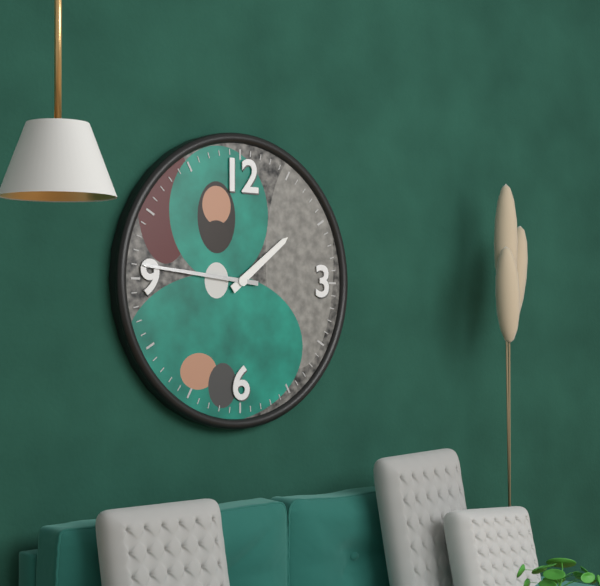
{"hour": 1, "minute": 46}
